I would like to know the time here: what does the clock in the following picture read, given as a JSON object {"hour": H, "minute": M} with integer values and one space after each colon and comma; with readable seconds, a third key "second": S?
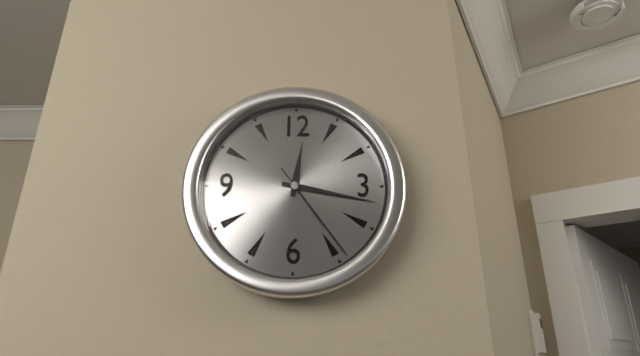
{"hour": 12, "minute": 17, "second": 24}
